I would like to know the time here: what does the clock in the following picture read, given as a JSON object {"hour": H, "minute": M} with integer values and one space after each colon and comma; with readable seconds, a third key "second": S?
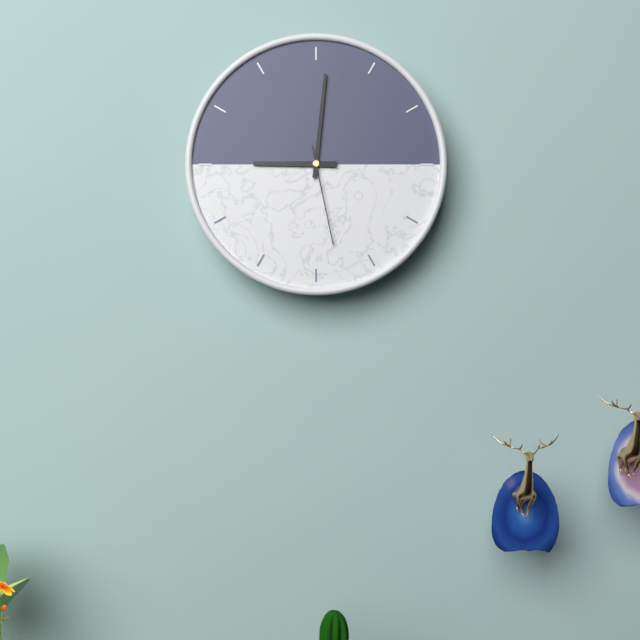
{"hour": 9, "minute": 1, "second": 28}
